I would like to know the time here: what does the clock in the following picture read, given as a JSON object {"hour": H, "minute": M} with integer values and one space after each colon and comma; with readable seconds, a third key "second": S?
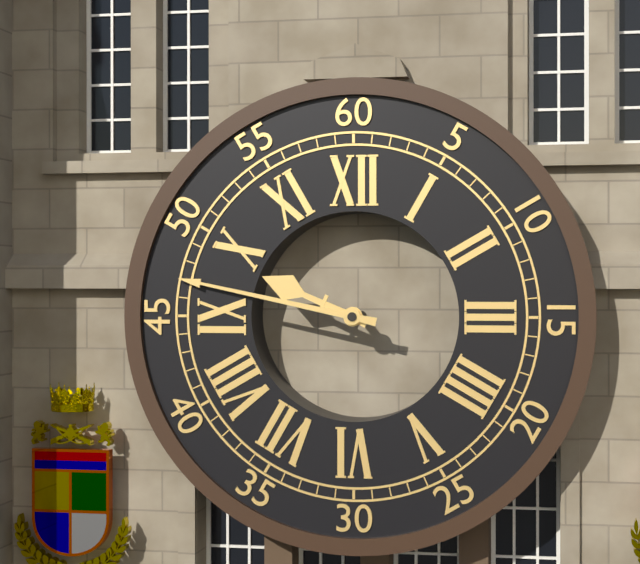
{"hour": 9, "minute": 47}
